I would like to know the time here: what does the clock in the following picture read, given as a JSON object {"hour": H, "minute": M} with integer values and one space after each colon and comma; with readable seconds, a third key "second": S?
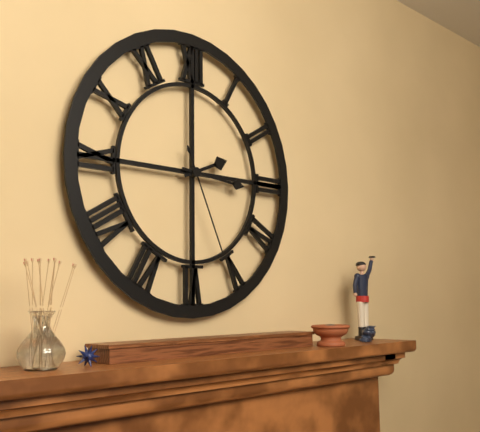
{"hour": 2, "minute": 16, "second": 26}
